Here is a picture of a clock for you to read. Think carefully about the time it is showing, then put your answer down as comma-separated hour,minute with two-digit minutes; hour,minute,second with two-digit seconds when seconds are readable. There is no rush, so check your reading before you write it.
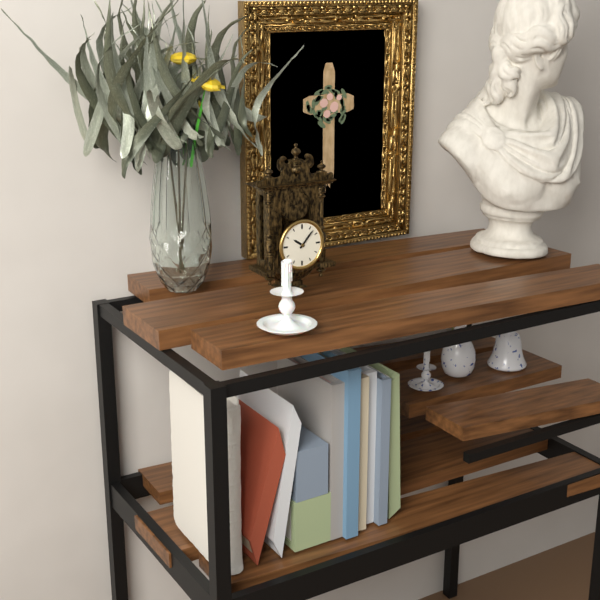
10,07
